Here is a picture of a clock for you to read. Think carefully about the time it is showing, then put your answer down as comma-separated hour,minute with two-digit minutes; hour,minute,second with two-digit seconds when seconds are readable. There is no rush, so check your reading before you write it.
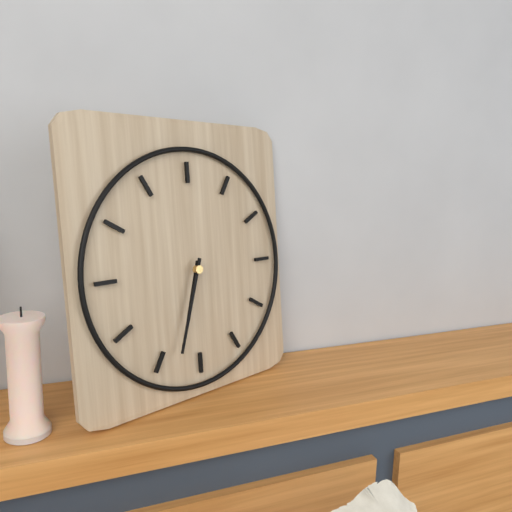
6,33
